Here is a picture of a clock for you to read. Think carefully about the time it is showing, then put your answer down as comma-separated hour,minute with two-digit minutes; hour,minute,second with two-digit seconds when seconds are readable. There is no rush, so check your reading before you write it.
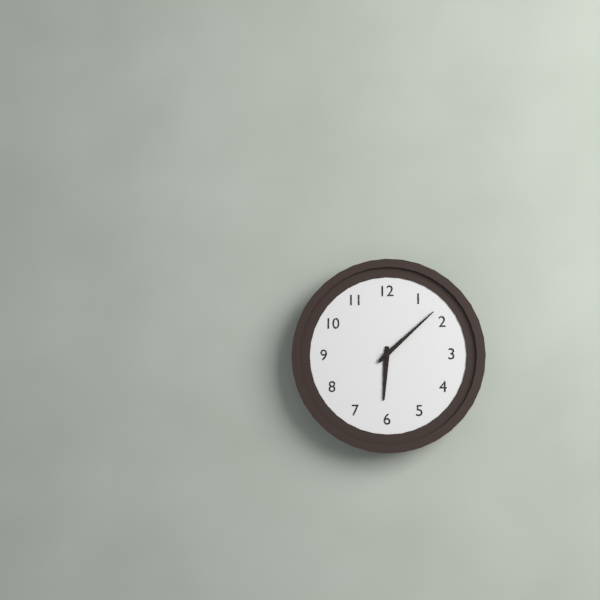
6,08
